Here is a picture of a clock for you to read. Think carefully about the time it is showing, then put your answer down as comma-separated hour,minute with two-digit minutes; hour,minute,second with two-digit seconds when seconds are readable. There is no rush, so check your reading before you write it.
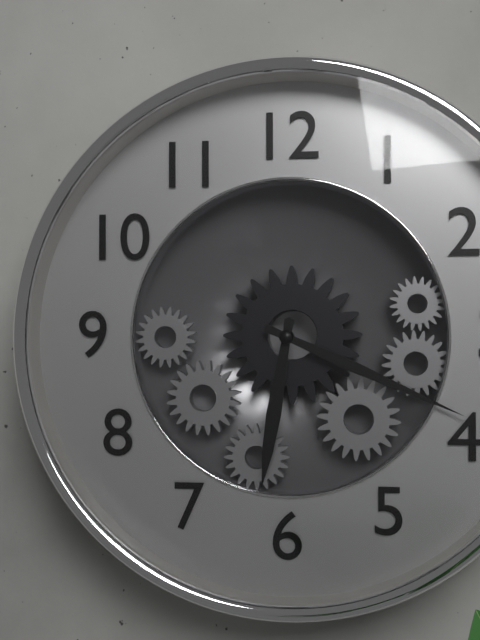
6,19
